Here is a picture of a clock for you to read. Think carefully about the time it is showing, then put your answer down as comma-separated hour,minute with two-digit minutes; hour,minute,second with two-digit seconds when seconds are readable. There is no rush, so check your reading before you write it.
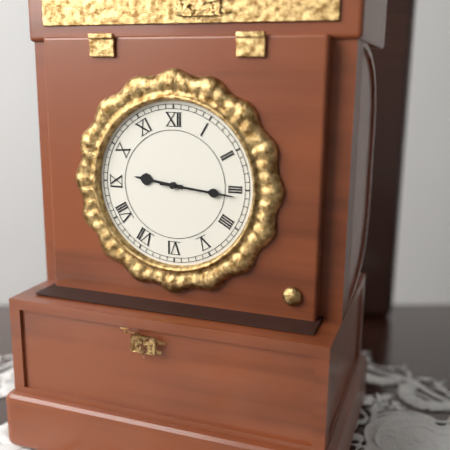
9,16
